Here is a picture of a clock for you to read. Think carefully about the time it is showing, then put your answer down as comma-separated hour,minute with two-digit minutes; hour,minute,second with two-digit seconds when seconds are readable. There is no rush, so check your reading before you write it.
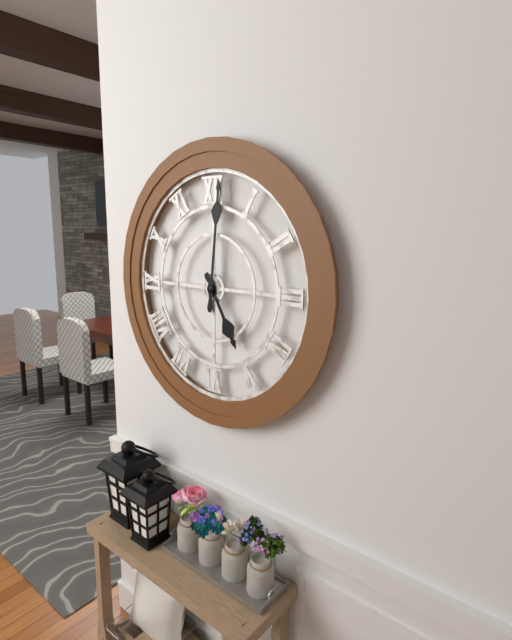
5,01
